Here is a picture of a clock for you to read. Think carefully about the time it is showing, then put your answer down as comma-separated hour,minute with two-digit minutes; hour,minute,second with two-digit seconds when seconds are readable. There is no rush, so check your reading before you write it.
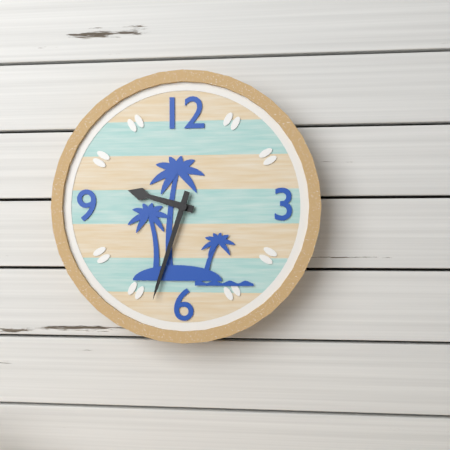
9,33
